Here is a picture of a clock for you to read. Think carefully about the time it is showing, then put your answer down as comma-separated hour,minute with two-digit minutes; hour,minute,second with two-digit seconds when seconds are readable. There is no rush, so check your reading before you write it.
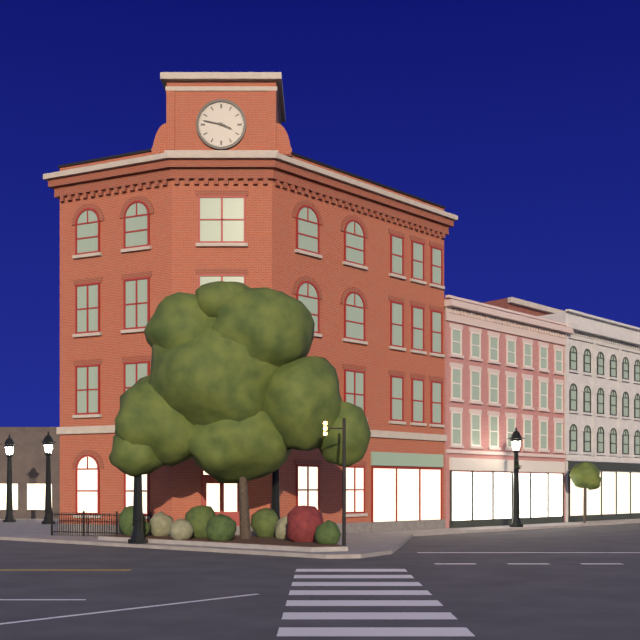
3,47
